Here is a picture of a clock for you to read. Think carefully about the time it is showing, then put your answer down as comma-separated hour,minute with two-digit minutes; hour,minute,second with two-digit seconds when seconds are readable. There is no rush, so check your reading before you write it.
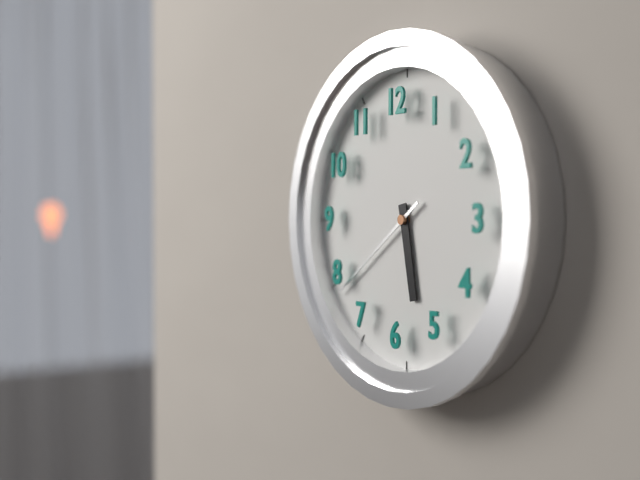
5,39
